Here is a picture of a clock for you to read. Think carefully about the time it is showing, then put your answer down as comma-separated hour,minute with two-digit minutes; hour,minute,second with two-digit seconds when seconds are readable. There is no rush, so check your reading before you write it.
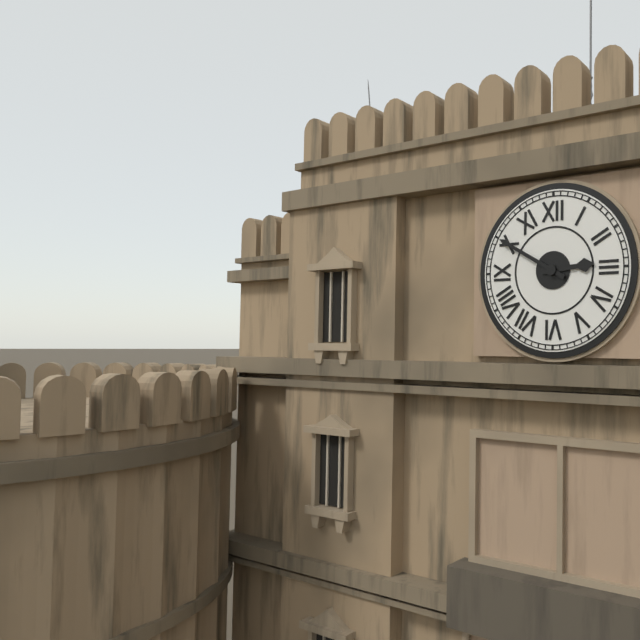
2,50
